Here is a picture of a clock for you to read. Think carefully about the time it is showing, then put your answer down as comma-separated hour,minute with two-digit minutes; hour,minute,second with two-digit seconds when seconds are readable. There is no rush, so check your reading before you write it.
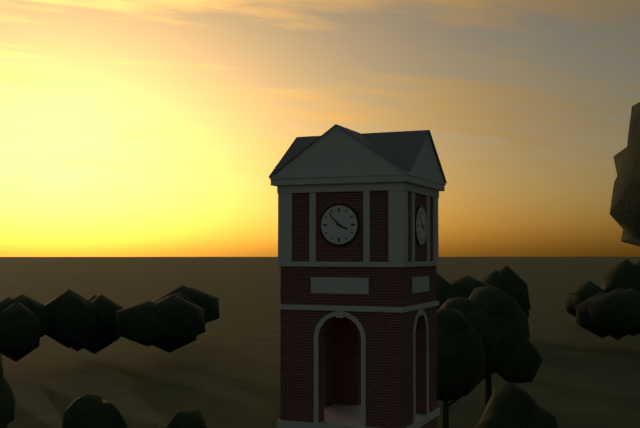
3,53
